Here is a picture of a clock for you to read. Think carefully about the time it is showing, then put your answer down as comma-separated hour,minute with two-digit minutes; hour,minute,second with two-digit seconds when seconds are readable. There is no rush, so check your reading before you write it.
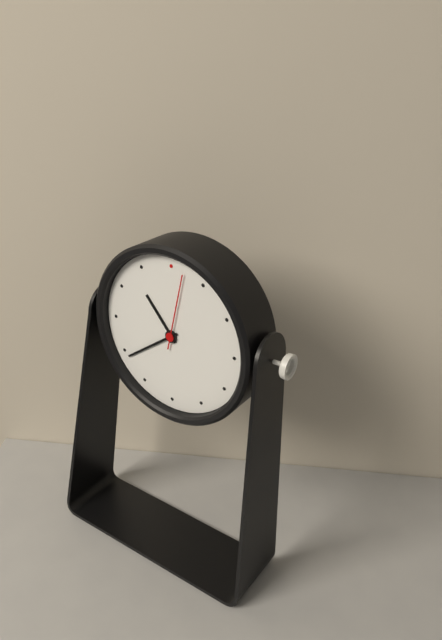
10,39,02
